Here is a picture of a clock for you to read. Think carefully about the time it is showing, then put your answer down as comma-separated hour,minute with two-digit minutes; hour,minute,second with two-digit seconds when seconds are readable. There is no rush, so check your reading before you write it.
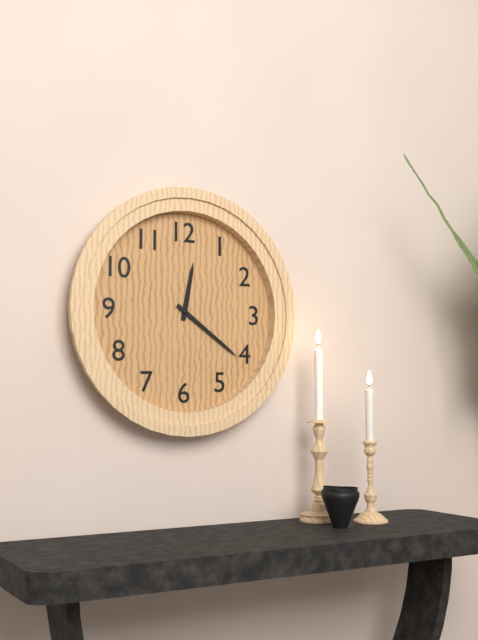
12,21
